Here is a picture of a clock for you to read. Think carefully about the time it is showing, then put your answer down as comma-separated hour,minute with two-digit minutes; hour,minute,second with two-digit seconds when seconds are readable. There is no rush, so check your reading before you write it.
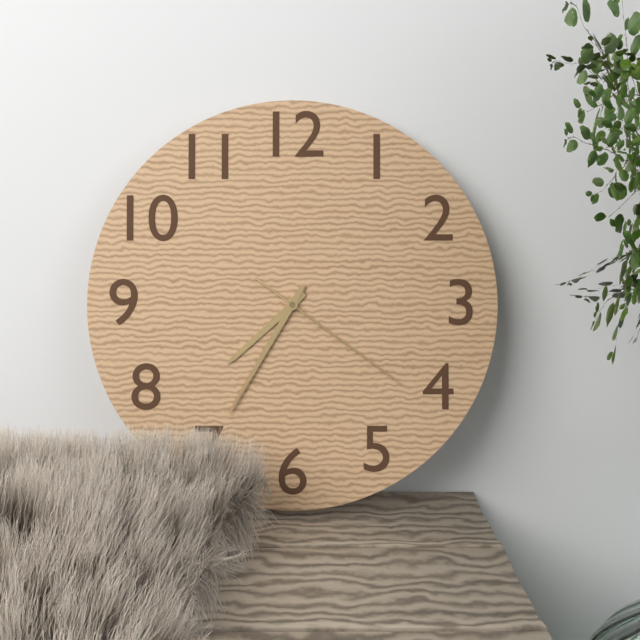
7,35,21
